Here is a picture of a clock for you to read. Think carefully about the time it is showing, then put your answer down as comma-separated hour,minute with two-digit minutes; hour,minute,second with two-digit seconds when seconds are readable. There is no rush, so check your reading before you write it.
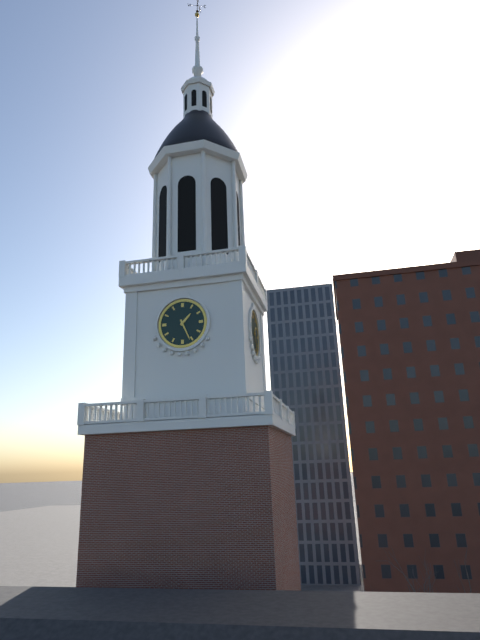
1,26
